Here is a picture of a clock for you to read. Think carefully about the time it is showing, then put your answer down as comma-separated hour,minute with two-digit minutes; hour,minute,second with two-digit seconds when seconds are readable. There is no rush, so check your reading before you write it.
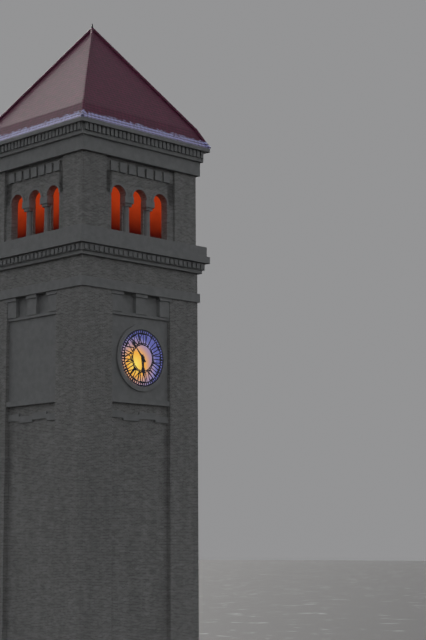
5,53
